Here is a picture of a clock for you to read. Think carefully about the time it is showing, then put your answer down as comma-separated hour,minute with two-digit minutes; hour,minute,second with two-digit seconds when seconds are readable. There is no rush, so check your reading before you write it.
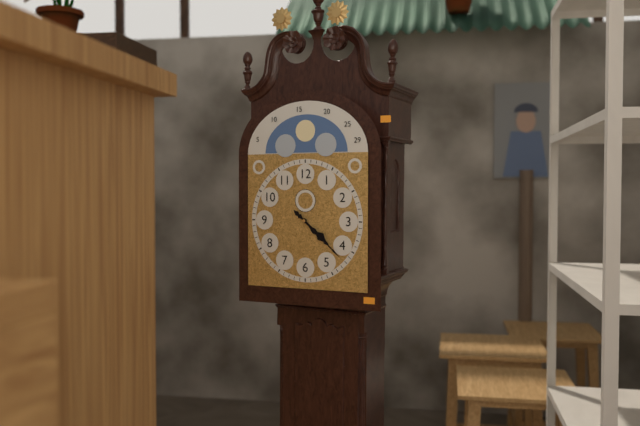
4,22
